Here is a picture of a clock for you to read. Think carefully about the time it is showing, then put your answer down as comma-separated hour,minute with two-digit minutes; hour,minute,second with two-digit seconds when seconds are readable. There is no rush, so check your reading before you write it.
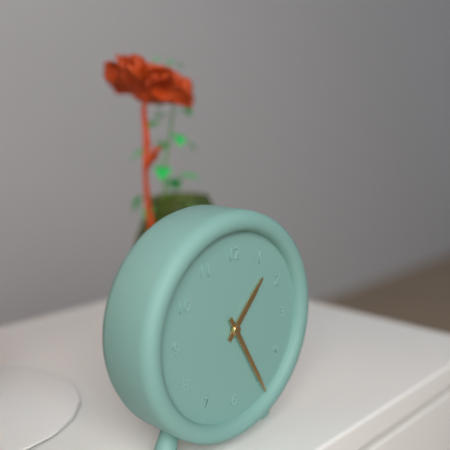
1,25
